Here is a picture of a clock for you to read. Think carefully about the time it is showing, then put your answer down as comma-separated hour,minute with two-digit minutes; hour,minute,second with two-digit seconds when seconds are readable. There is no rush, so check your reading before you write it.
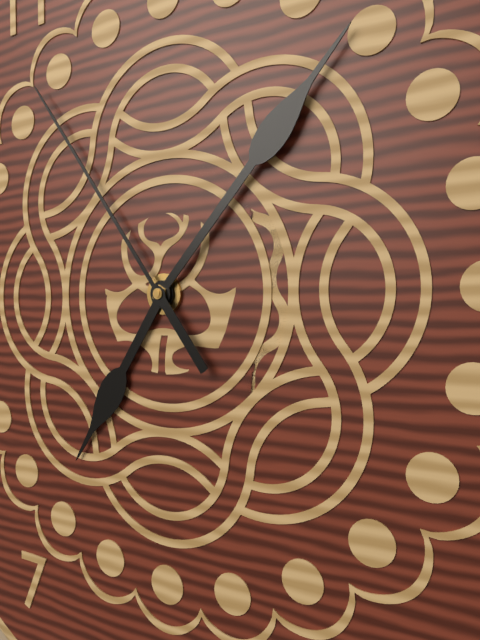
7,07,54
